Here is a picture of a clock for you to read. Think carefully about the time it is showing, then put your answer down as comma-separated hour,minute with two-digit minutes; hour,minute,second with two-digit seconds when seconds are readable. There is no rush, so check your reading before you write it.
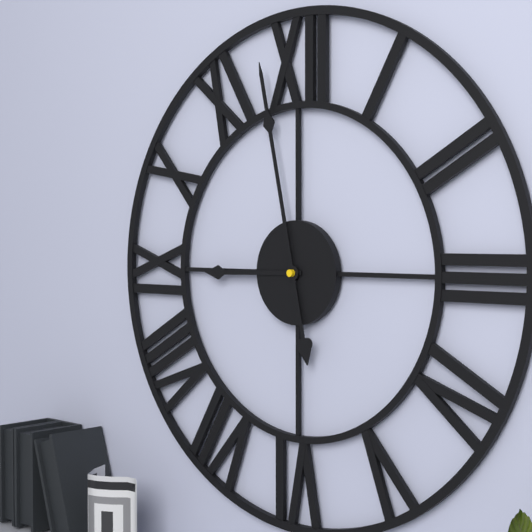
8,58
